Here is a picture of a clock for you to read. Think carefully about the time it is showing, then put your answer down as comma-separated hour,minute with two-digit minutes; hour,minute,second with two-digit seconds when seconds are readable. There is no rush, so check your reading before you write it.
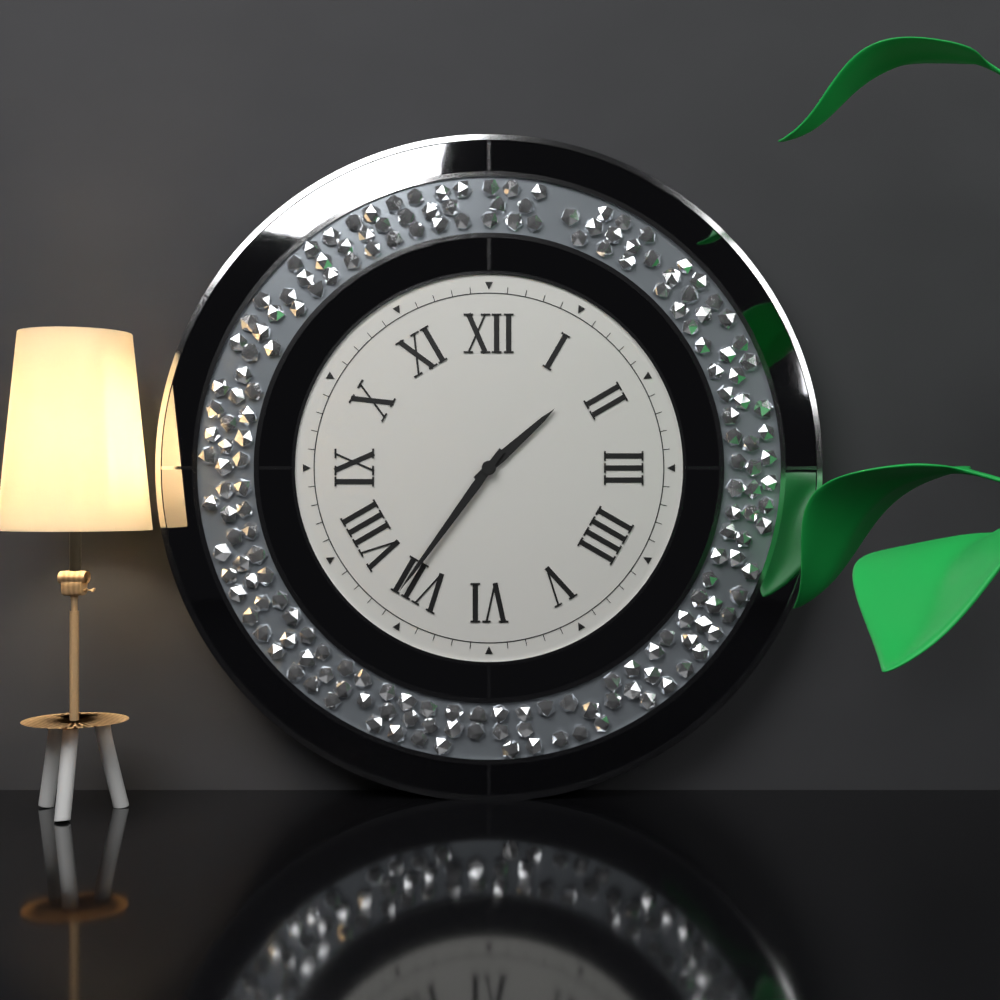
1,36
